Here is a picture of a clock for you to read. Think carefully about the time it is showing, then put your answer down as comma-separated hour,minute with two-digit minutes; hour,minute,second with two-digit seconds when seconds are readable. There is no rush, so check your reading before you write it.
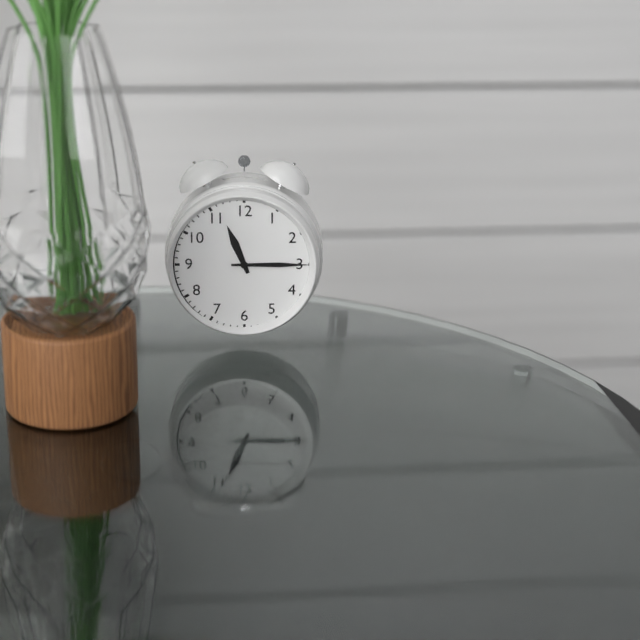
11,15
